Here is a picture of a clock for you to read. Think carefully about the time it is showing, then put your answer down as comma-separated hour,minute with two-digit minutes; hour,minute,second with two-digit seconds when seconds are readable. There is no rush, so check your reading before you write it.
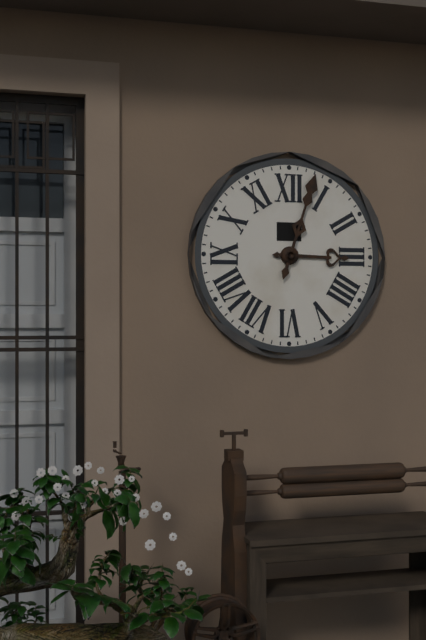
3,03
